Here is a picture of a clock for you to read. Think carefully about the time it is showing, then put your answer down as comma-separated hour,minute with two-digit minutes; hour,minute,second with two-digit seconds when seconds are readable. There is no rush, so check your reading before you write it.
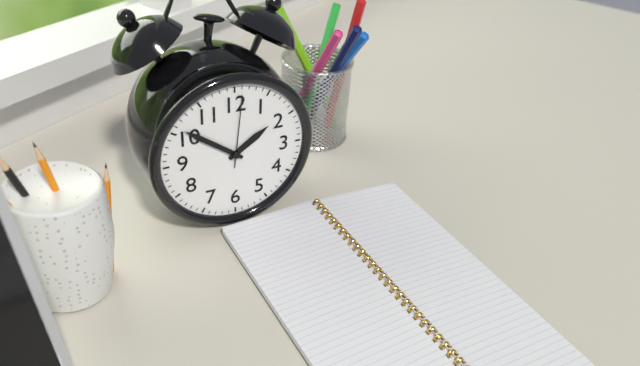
1,51,01
